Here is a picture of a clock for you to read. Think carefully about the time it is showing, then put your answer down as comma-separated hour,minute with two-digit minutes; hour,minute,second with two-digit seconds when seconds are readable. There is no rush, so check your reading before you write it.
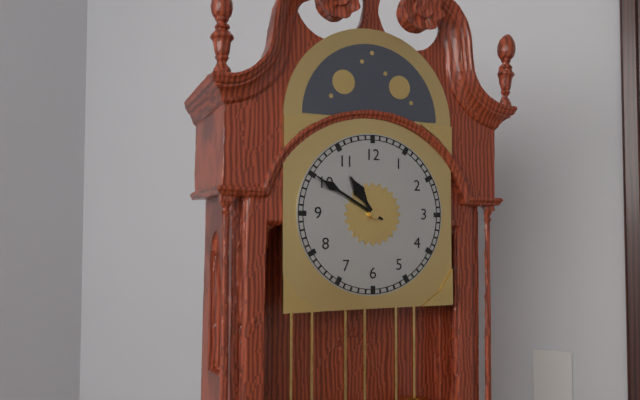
10,50
